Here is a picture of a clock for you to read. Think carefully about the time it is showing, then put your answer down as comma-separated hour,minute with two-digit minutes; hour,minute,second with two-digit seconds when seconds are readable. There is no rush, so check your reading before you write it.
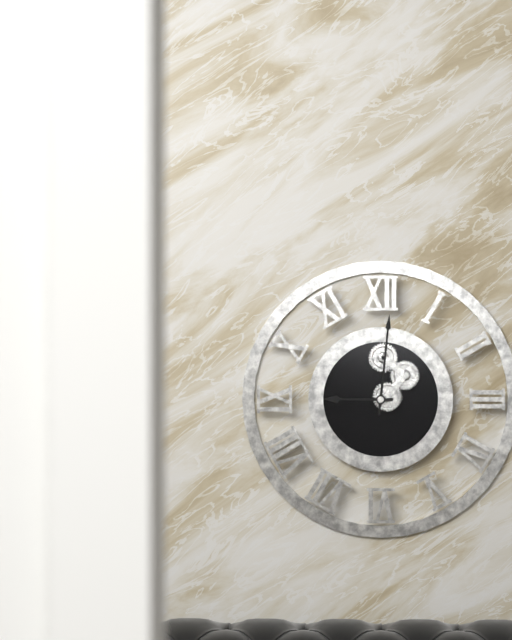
9,01
